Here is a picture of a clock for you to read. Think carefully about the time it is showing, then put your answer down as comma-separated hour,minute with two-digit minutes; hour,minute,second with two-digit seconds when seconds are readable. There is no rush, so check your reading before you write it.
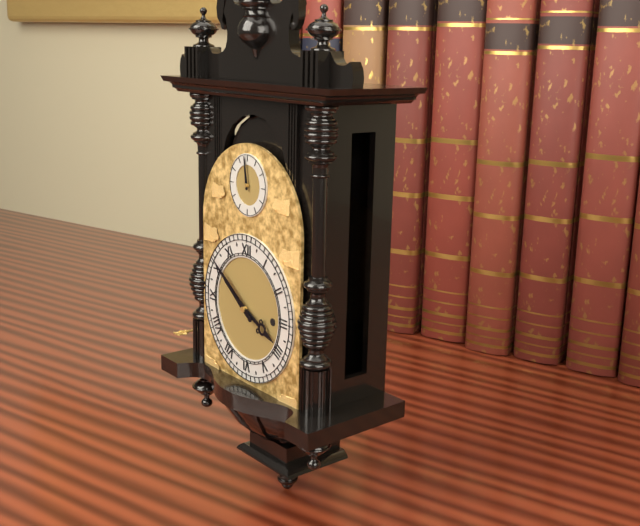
3,51
